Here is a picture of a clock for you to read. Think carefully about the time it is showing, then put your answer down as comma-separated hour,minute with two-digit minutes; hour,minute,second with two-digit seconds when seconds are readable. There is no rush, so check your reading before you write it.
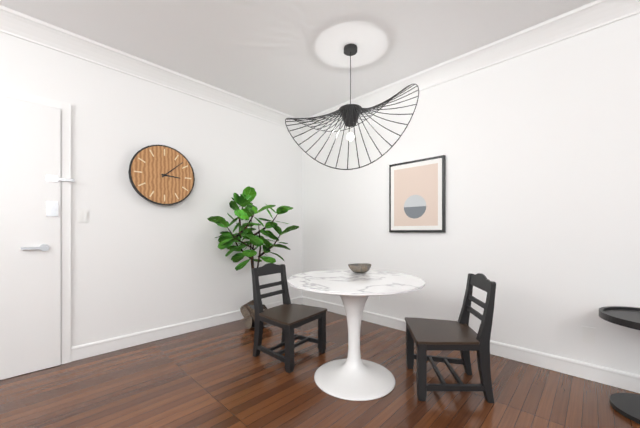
3,08
